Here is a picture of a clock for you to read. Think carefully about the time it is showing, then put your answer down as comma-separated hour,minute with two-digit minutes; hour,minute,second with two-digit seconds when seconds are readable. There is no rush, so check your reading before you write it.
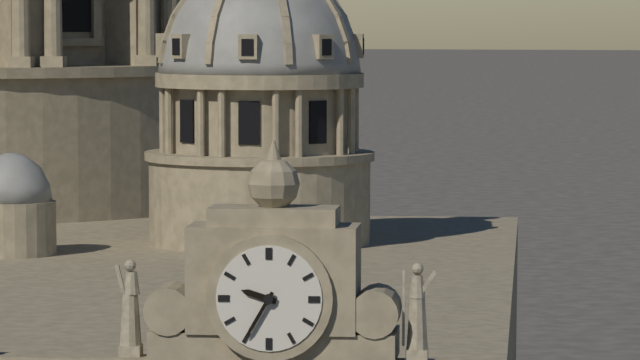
9,35
